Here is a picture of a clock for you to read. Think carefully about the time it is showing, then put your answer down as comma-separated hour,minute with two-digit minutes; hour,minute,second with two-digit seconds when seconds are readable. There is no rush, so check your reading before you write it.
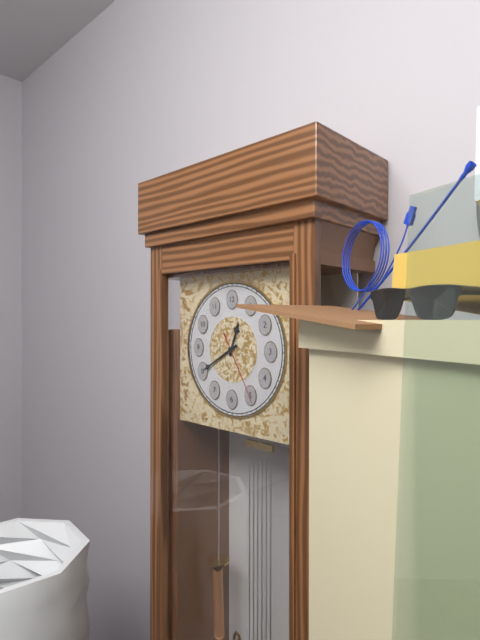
12,40,25
